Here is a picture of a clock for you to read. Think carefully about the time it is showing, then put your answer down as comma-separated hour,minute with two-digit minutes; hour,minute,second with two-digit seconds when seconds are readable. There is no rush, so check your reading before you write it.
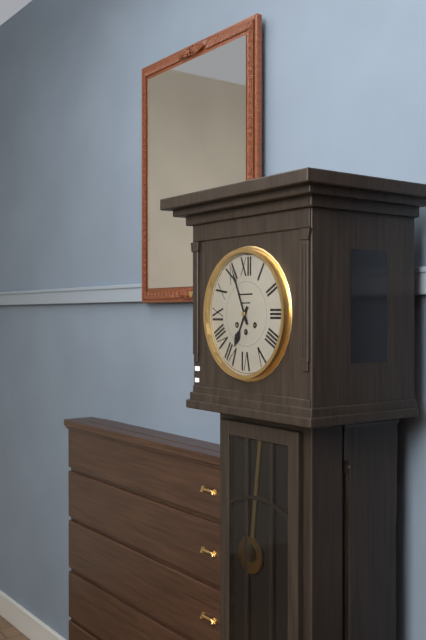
6,56
